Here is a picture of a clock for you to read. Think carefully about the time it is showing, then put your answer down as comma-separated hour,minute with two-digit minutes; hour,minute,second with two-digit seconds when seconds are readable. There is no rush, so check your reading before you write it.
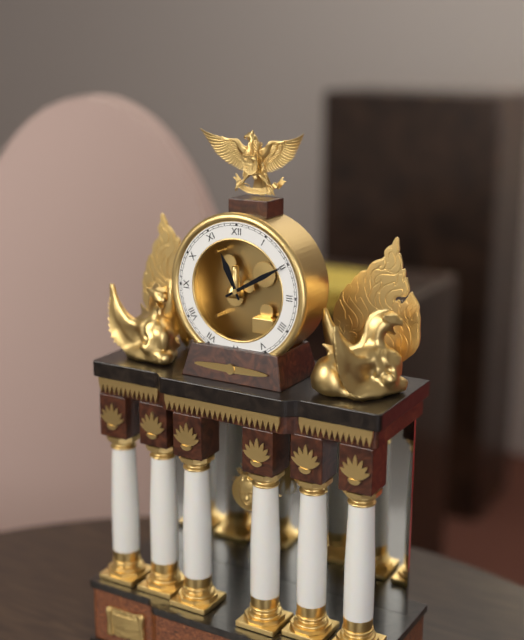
11,10
